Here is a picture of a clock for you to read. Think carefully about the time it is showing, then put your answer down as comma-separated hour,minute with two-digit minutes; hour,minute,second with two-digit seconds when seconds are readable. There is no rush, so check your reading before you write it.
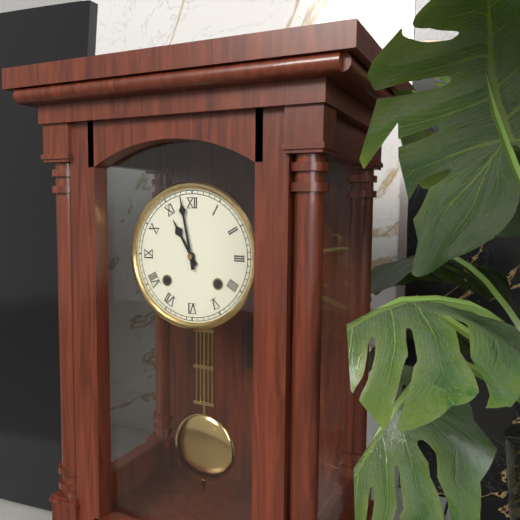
10,58
